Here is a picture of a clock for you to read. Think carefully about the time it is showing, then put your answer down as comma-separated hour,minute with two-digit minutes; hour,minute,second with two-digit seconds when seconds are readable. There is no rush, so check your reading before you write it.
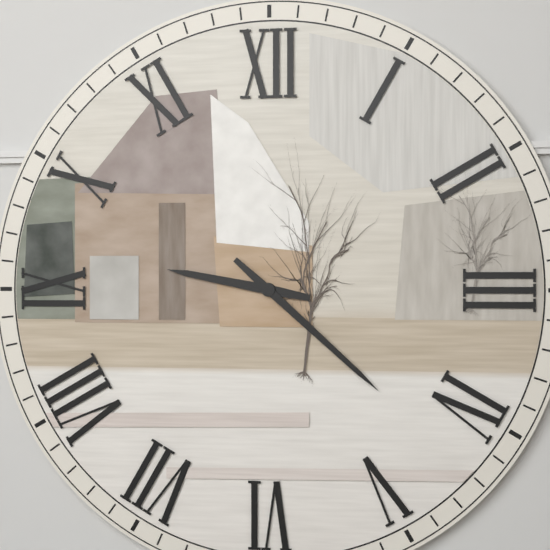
9,22
